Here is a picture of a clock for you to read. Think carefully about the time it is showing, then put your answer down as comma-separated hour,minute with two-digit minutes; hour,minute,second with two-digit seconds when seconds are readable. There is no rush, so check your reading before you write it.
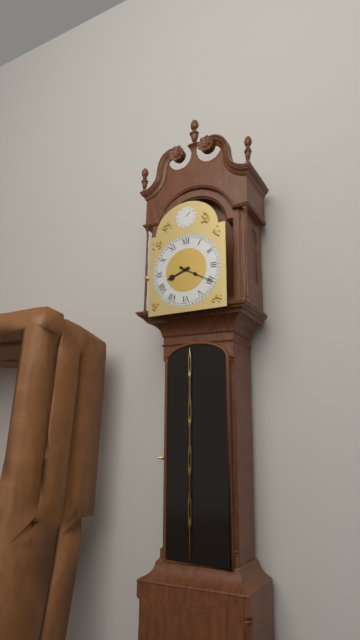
8,20
